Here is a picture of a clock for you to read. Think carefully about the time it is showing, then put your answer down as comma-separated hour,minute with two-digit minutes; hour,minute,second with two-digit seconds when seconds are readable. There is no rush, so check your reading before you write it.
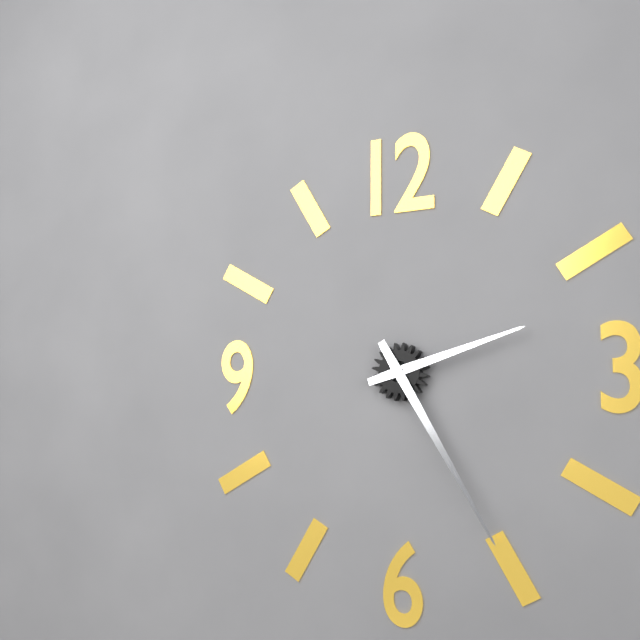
2,25
